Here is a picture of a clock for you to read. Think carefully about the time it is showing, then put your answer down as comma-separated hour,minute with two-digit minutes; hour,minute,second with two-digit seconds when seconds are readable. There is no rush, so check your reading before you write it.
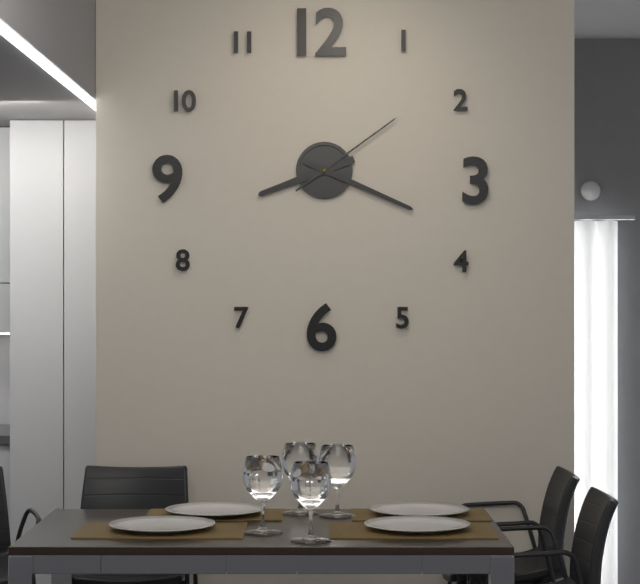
8,19,09
